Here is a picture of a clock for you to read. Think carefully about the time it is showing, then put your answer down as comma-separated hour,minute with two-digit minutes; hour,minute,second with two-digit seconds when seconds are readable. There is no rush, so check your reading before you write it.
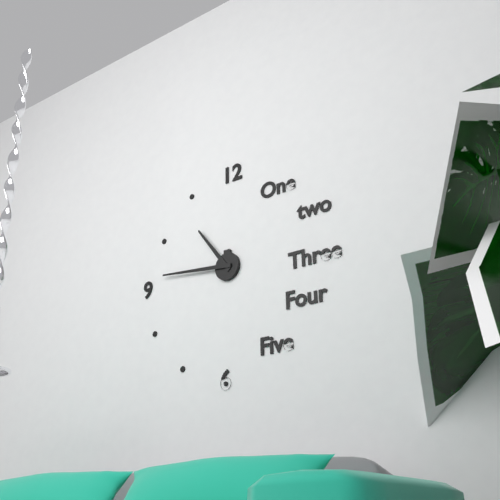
10,46
